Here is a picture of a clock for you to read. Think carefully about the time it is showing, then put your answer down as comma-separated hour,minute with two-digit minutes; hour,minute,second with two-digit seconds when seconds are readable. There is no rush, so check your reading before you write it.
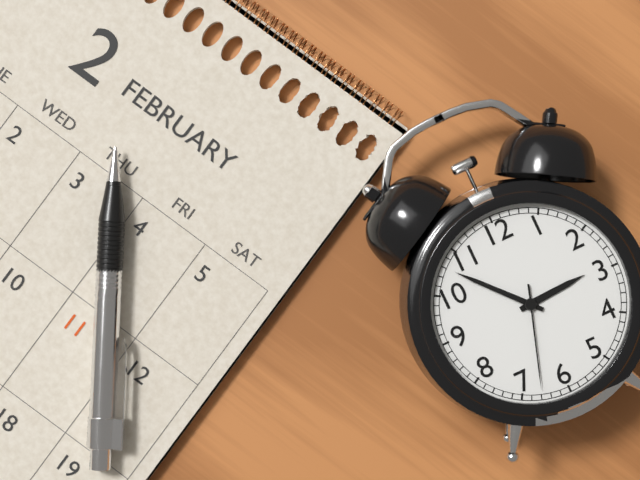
2,53,33
